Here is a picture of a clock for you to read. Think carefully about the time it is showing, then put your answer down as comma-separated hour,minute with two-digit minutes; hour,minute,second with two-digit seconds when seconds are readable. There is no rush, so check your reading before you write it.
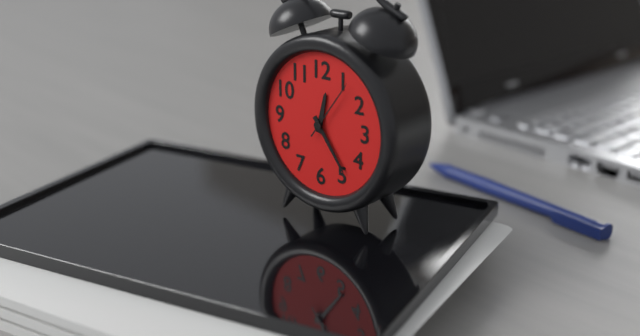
12,24,06
